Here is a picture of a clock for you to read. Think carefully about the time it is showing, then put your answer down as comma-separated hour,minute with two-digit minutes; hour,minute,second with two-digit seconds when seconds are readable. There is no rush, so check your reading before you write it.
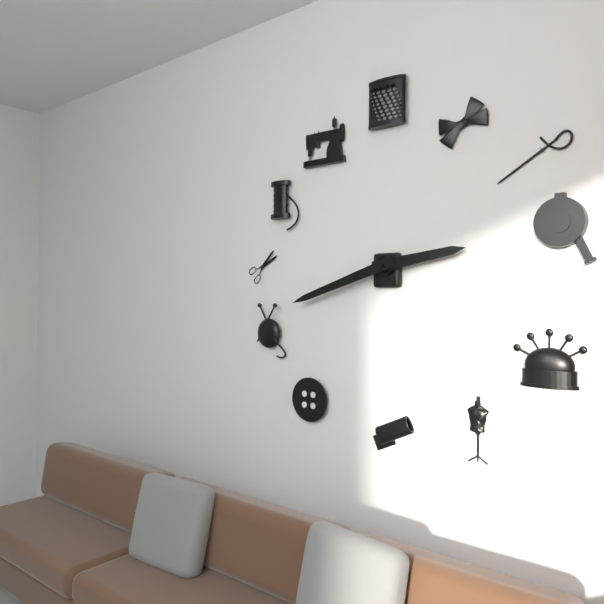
2,42
